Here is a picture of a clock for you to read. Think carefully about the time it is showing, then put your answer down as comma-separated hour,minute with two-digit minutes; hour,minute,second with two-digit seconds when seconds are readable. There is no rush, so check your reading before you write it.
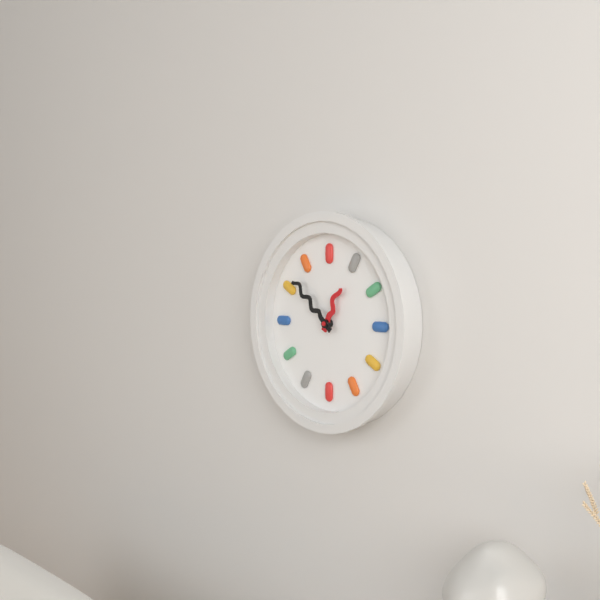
12,52
